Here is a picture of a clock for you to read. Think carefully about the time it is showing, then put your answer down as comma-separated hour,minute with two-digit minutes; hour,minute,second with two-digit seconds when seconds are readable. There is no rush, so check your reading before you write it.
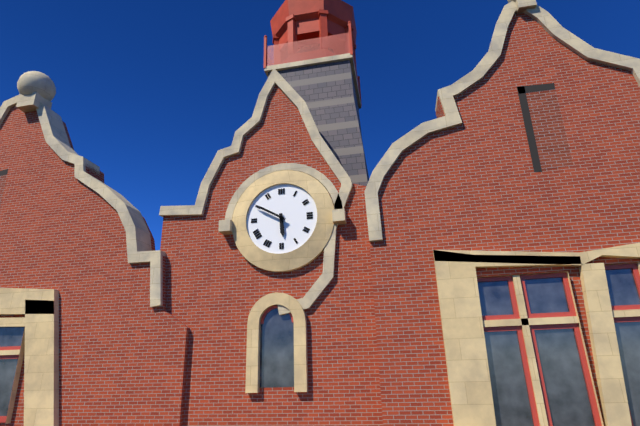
5,50
